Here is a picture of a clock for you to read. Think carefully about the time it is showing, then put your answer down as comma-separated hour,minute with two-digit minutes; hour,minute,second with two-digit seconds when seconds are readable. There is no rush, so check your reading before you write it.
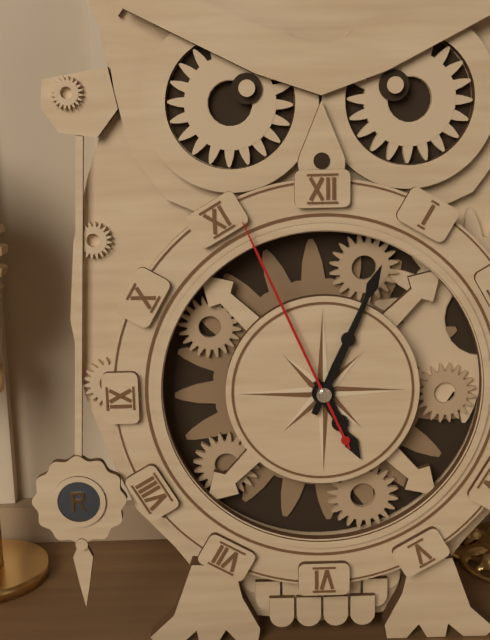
5,04,56
